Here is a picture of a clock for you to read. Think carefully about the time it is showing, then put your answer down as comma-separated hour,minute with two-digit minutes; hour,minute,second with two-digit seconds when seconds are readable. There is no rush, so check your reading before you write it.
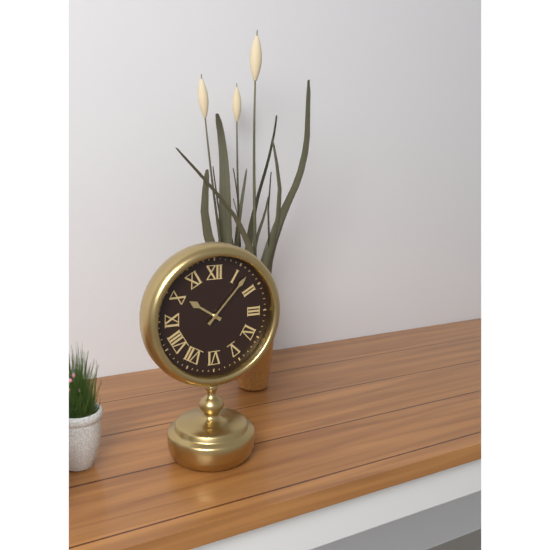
10,07
